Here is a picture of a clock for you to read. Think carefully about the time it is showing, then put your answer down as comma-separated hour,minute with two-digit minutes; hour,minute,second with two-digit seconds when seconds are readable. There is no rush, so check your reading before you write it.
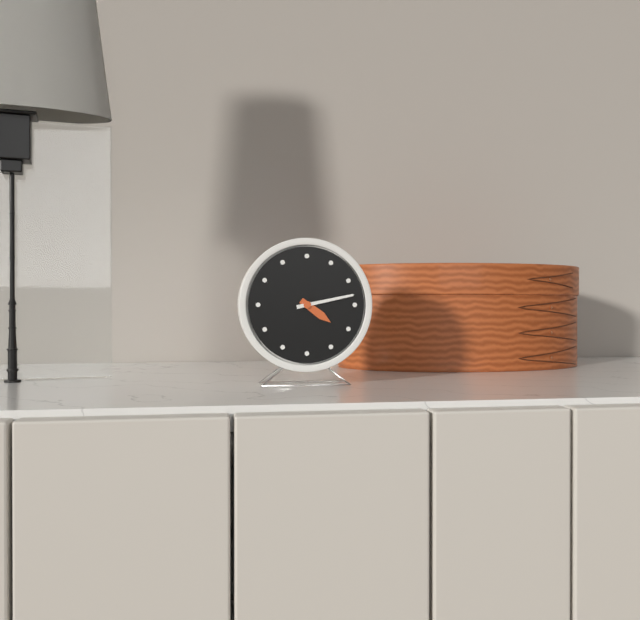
4,13
